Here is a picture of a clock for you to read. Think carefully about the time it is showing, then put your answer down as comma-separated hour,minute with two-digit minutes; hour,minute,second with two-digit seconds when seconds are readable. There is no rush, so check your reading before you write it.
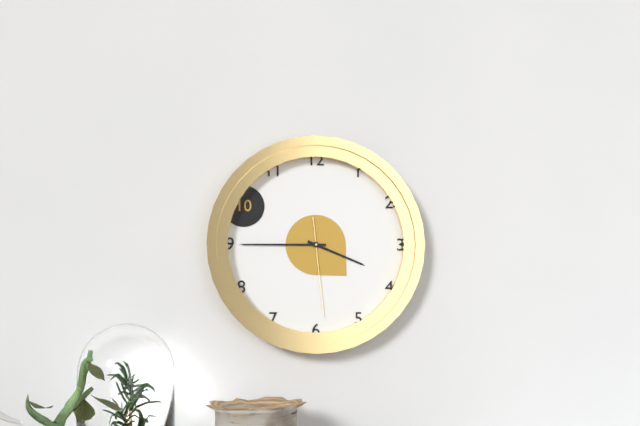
3,45,29
